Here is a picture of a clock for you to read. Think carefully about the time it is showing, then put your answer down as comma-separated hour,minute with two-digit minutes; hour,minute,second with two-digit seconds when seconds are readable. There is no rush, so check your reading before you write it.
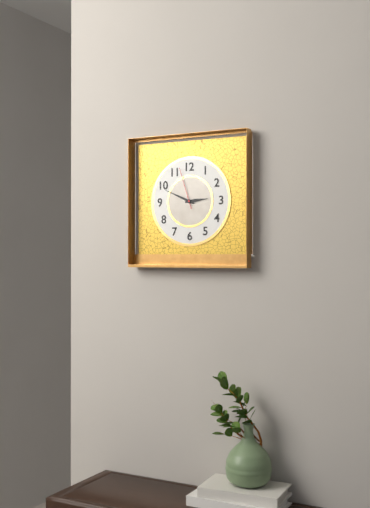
2,49
